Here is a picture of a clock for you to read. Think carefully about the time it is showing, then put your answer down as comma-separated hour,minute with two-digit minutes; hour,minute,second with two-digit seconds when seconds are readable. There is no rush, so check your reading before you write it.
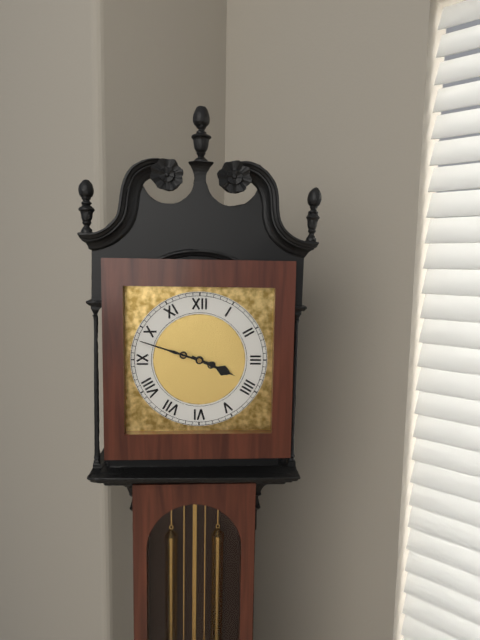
3,48
